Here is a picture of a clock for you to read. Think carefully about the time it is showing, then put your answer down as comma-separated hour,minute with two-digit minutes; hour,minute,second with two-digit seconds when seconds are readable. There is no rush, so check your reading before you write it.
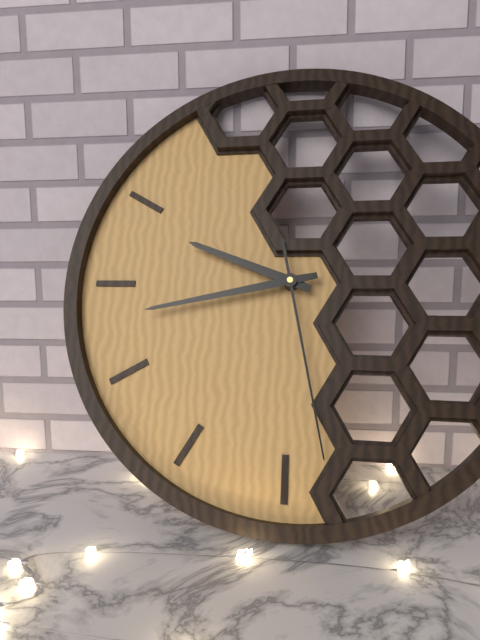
9,43,28
